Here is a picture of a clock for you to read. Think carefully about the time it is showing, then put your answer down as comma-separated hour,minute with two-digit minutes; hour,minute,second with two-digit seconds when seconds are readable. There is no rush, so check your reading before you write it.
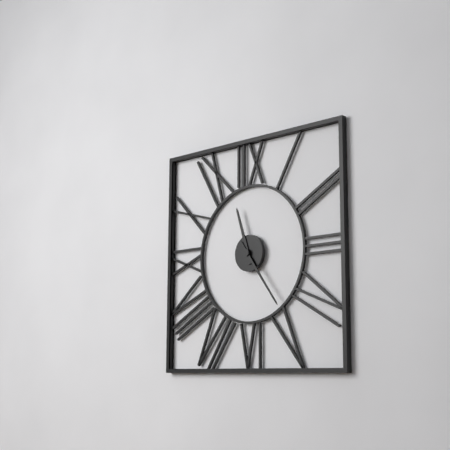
11,24
